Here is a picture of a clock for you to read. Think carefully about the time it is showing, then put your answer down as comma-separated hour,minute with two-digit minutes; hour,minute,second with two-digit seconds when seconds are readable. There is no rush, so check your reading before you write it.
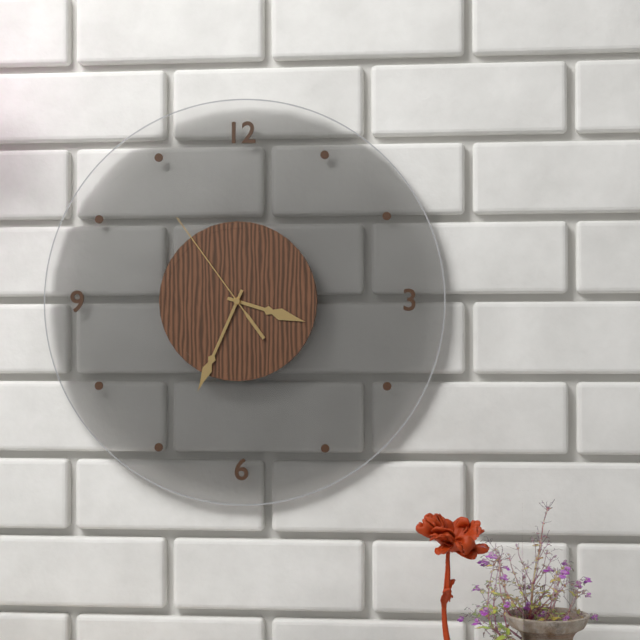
3,34,54
